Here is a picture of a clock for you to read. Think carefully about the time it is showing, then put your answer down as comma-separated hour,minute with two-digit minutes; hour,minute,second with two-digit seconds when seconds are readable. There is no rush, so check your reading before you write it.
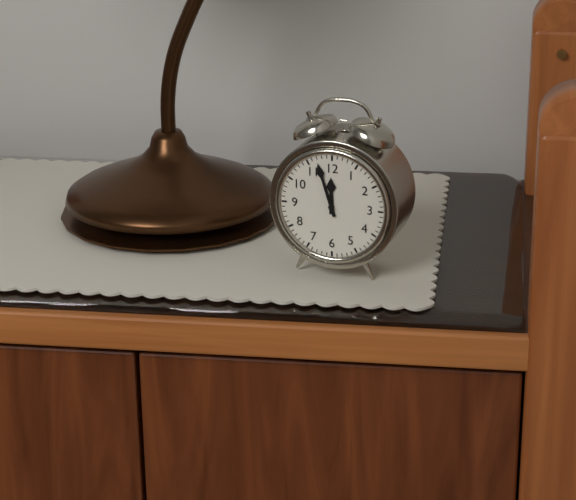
11,57
